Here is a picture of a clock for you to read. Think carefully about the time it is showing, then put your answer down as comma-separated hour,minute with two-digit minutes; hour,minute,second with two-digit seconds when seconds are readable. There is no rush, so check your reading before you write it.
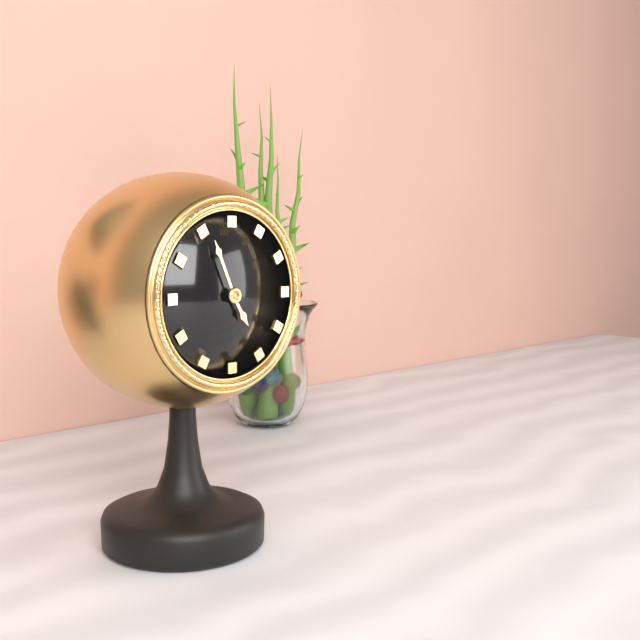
4,56
